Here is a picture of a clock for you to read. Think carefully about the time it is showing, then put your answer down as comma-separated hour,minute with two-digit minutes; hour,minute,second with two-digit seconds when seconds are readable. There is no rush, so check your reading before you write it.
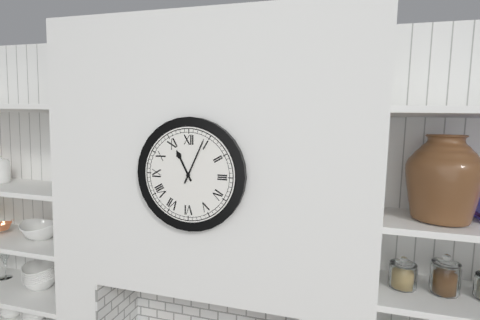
11,04
